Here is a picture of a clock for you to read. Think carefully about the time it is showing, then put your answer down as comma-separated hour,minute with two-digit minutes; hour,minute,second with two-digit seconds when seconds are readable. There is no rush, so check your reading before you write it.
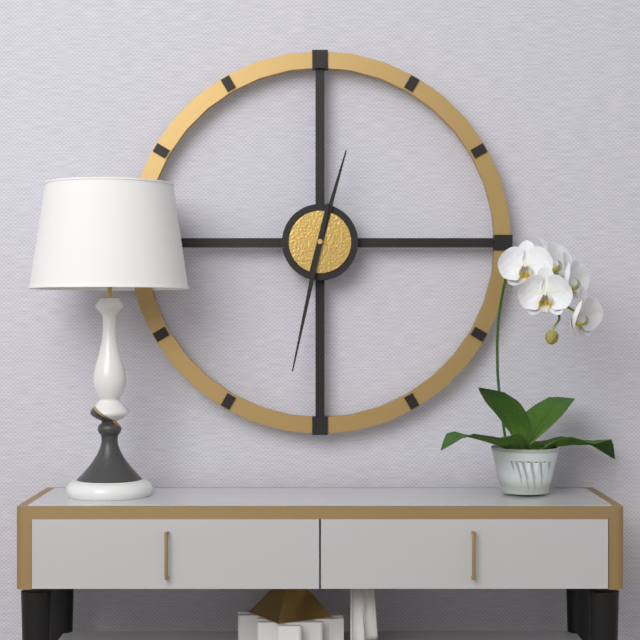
12,32
